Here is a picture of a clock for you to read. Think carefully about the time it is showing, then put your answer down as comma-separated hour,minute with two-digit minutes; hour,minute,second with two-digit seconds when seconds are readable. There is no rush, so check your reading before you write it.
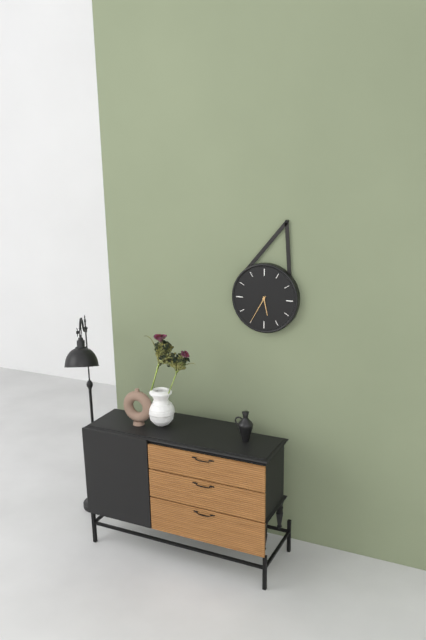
5,35
